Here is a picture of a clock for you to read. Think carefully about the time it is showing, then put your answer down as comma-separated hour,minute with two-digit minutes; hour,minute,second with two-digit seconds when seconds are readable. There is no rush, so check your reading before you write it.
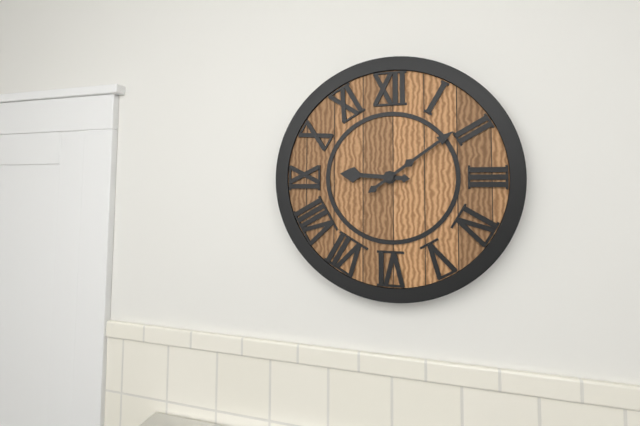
9,09
